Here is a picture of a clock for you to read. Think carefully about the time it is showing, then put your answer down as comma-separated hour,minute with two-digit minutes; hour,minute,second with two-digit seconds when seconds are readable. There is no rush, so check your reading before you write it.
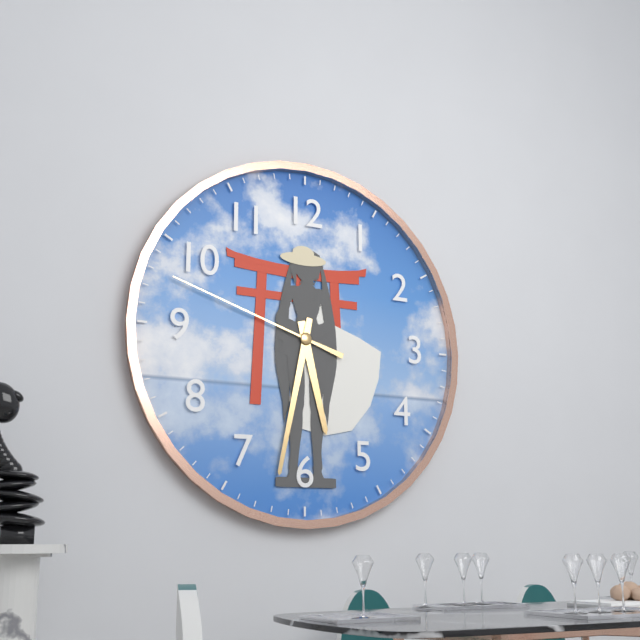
5,32,48
